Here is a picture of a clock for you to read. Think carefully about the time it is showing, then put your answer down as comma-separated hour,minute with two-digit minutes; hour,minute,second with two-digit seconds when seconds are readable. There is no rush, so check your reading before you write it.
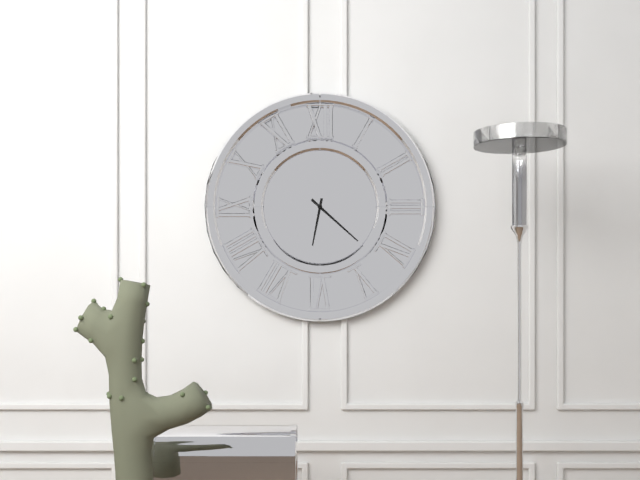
6,22
